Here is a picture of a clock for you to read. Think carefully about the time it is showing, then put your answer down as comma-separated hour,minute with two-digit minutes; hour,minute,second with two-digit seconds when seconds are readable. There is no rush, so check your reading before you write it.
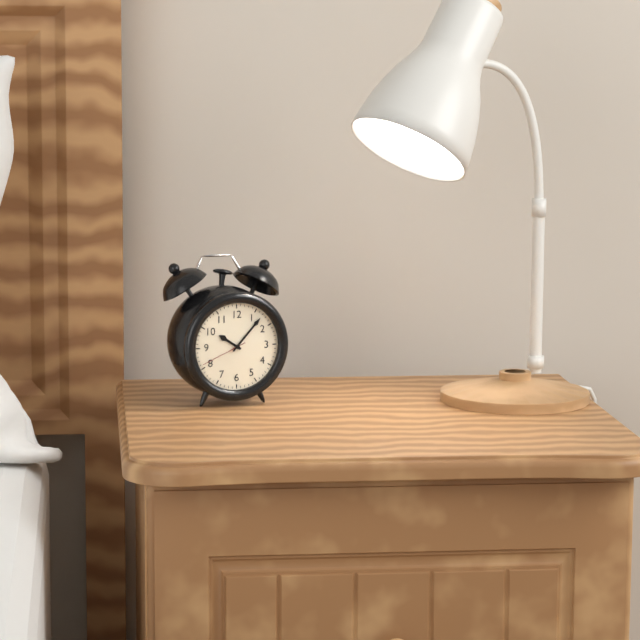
10,07
